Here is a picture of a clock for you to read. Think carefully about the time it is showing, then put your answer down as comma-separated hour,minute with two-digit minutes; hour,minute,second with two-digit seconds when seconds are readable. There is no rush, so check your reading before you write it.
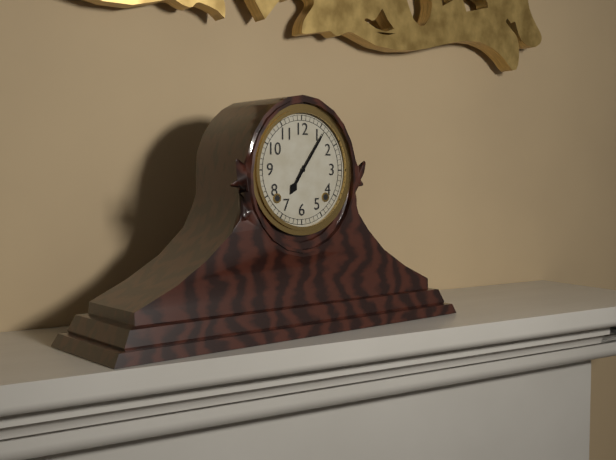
7,06
